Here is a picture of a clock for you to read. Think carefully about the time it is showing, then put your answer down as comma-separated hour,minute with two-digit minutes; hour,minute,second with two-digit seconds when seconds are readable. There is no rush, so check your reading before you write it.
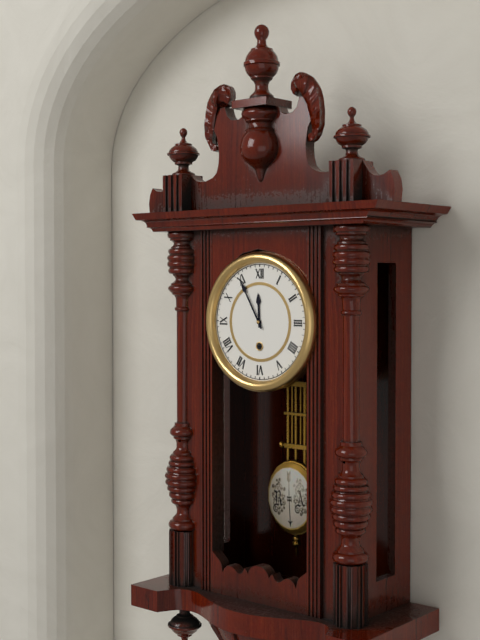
11,55
